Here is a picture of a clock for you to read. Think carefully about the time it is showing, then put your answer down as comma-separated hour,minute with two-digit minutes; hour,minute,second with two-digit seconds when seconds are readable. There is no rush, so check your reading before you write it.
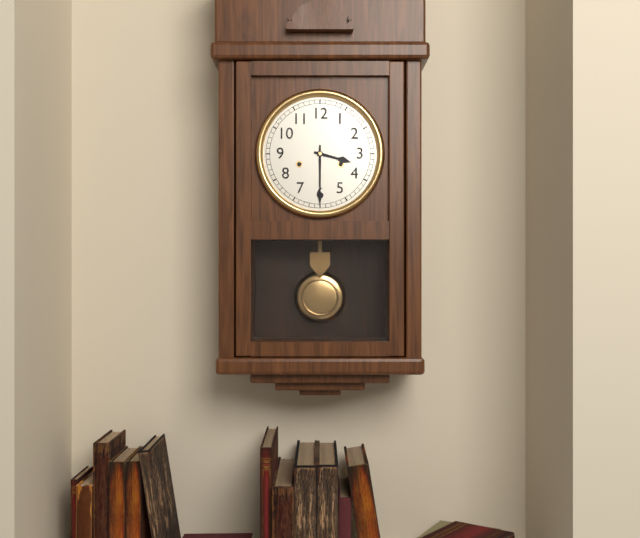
3,30
